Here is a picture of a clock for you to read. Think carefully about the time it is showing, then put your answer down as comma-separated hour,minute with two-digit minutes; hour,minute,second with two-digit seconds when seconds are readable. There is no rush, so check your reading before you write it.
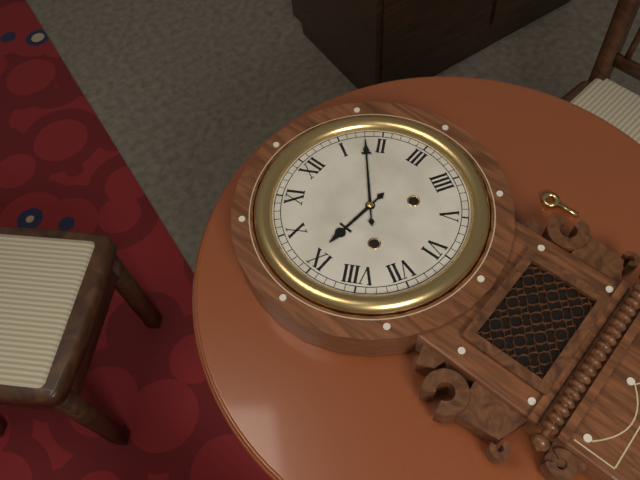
9,08
